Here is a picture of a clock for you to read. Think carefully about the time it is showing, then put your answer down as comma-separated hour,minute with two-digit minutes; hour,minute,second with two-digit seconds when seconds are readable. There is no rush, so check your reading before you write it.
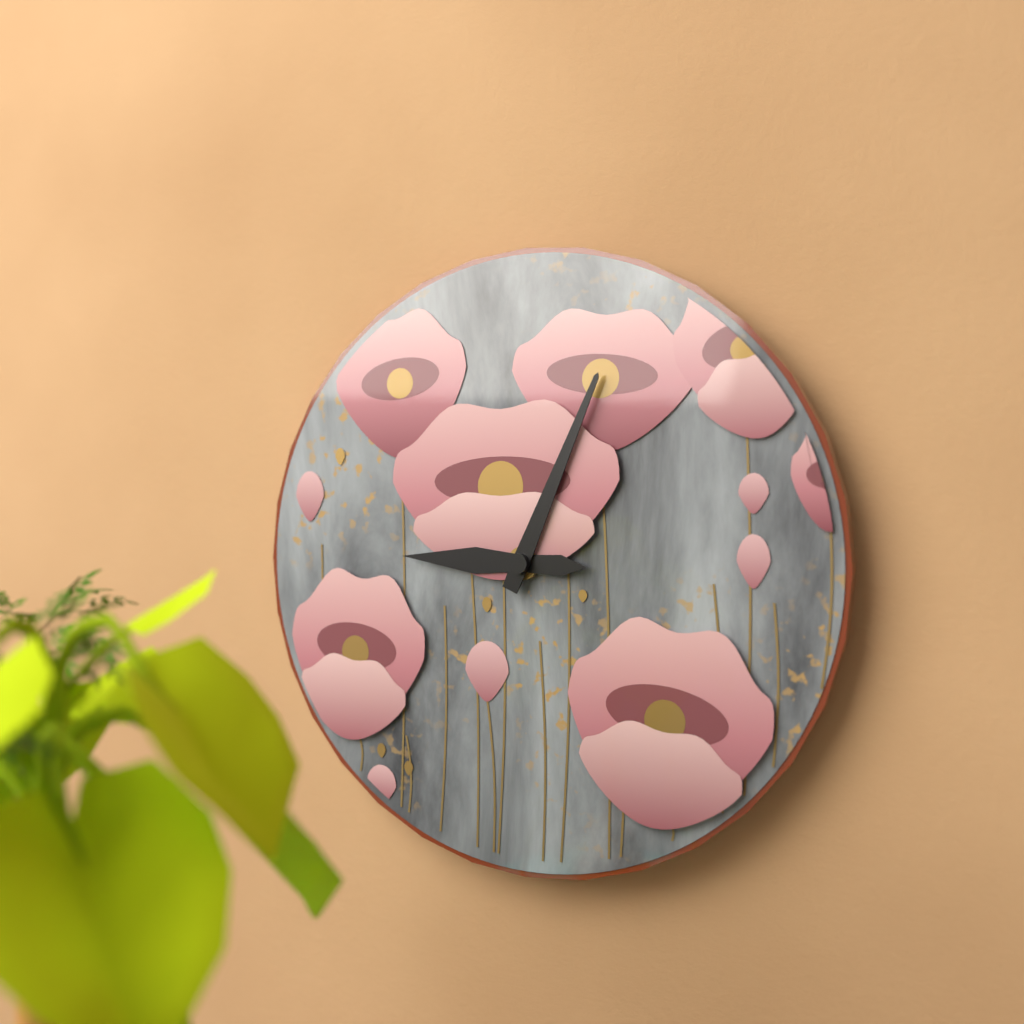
9,04
